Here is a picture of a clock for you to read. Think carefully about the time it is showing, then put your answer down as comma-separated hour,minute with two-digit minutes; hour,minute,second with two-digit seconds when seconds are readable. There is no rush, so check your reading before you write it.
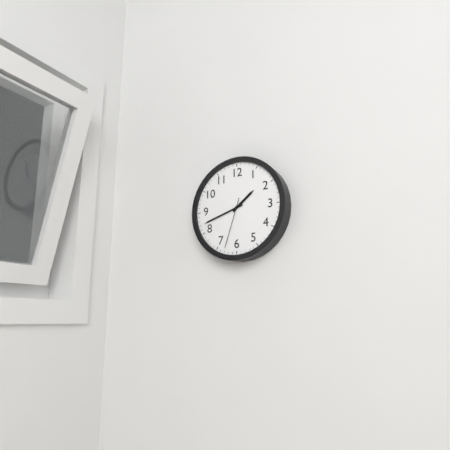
1,42,33
